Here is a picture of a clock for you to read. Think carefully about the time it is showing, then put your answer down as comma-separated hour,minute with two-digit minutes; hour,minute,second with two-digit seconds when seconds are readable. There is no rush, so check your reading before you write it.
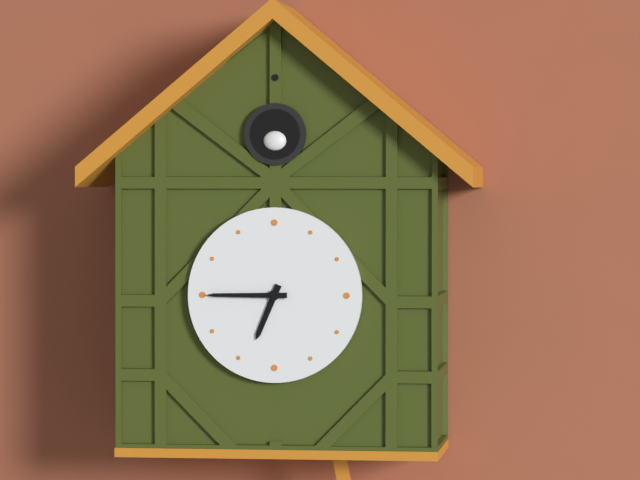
6,45
